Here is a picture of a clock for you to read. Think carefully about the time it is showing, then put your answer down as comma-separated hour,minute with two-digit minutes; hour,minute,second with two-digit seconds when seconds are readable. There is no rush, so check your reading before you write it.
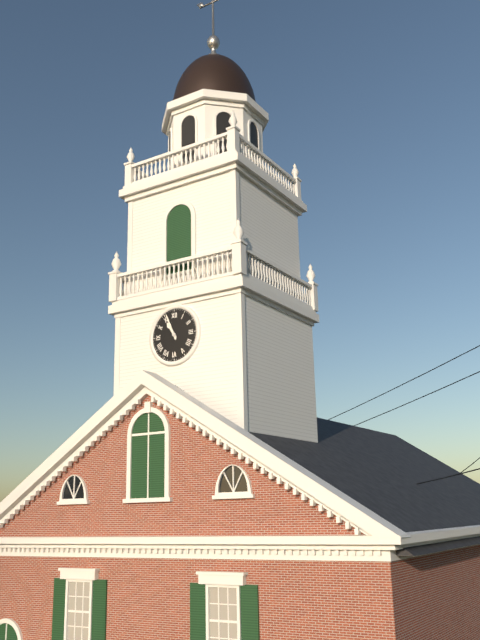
10,56
